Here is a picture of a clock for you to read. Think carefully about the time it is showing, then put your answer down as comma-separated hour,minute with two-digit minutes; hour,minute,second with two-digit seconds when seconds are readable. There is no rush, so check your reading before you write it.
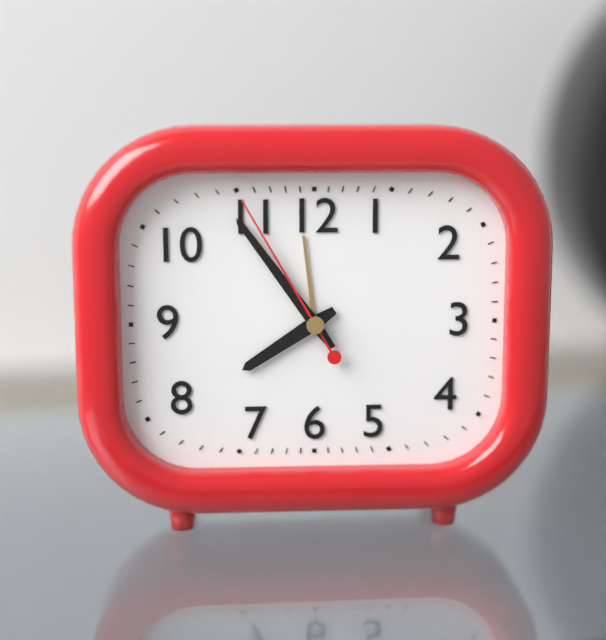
7,54,55
